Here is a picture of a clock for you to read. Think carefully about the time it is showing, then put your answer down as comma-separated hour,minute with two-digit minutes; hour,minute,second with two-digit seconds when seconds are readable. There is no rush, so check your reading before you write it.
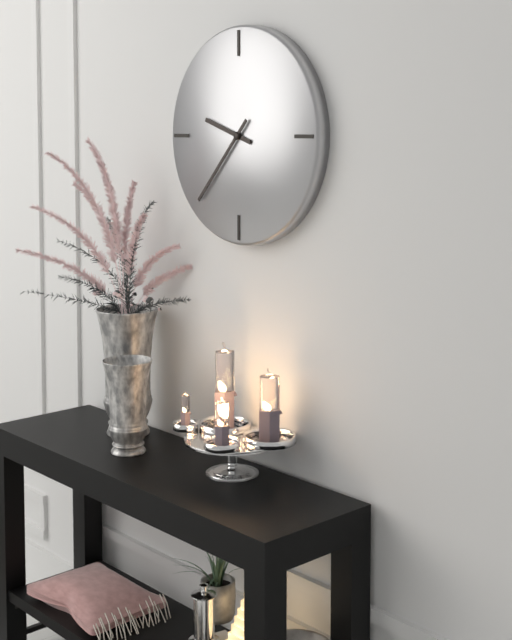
9,37
